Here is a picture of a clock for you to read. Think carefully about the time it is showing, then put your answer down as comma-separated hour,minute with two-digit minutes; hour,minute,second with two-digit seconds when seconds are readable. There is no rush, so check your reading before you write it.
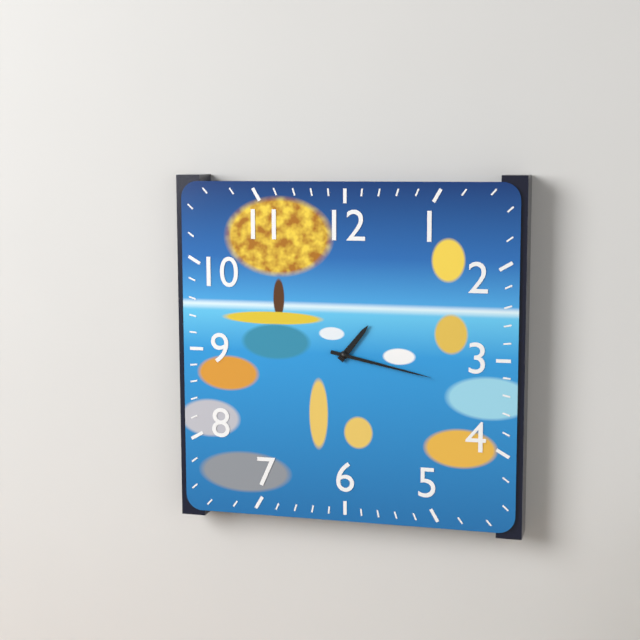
1,17
